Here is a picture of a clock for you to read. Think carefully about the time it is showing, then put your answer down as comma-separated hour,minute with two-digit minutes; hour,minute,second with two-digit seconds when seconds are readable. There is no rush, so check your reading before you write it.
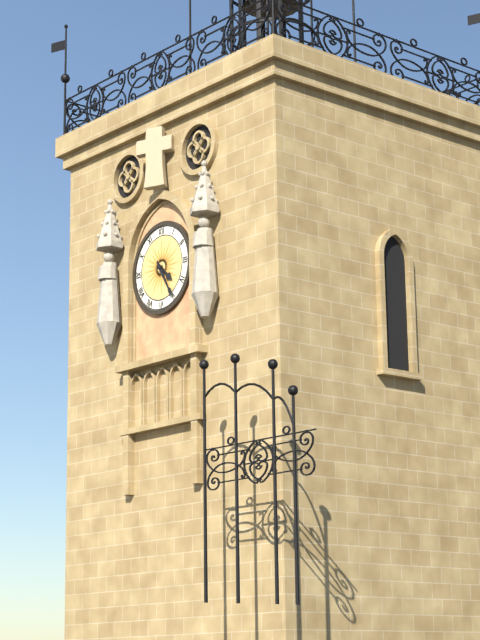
4,25
